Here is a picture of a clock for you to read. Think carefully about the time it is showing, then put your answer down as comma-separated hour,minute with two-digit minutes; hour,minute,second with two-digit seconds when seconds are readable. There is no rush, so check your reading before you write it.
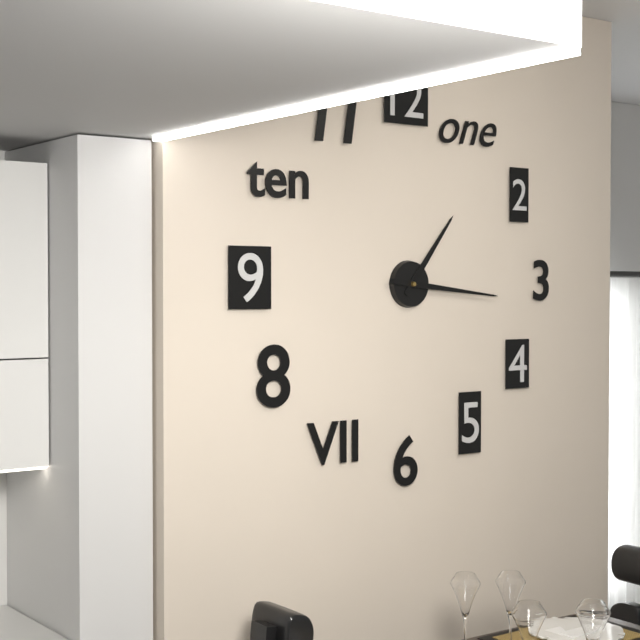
1,16
